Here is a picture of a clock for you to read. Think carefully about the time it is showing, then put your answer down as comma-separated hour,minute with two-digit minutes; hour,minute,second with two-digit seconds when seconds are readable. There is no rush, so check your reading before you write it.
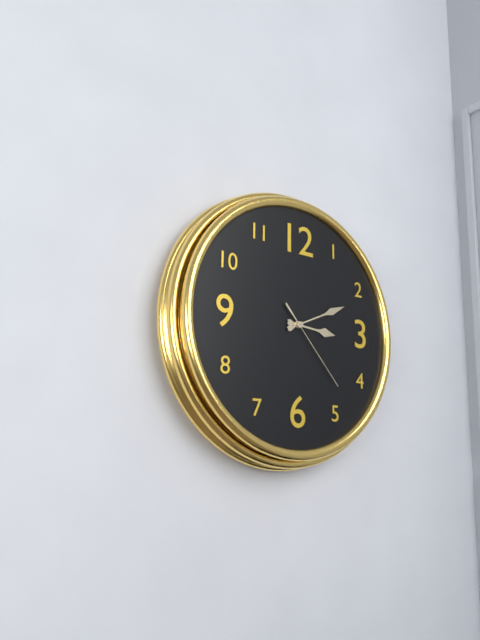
3,11,23
